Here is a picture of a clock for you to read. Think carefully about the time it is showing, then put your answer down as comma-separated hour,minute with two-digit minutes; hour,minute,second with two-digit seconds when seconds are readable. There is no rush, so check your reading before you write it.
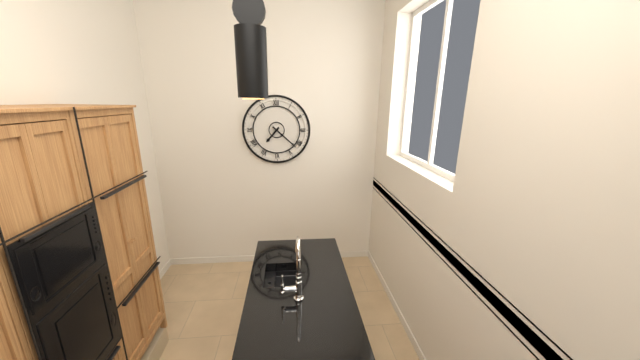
7,22
